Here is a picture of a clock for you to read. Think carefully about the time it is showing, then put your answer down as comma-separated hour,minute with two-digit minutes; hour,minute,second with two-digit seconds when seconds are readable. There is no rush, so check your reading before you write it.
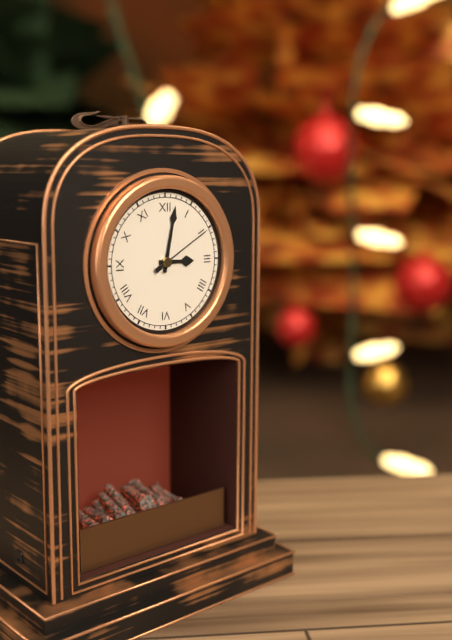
3,02,10
